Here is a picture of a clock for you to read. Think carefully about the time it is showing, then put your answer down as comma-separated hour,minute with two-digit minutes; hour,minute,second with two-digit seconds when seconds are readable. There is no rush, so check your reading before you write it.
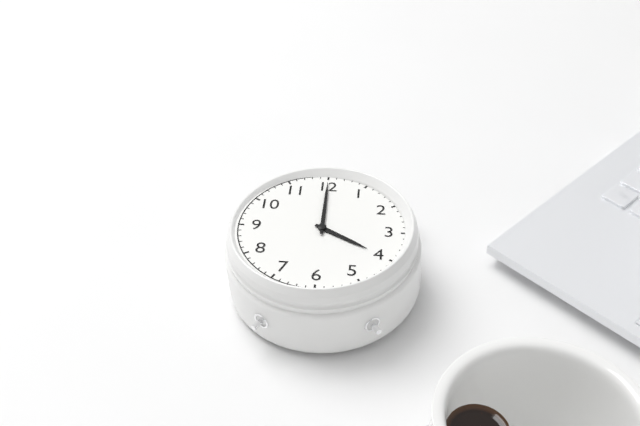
4,00
